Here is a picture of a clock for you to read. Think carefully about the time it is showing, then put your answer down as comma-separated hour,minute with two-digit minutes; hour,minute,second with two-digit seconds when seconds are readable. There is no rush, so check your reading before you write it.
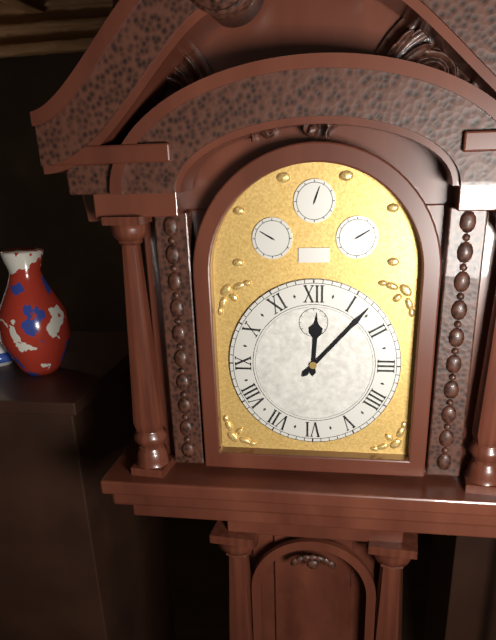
12,07
